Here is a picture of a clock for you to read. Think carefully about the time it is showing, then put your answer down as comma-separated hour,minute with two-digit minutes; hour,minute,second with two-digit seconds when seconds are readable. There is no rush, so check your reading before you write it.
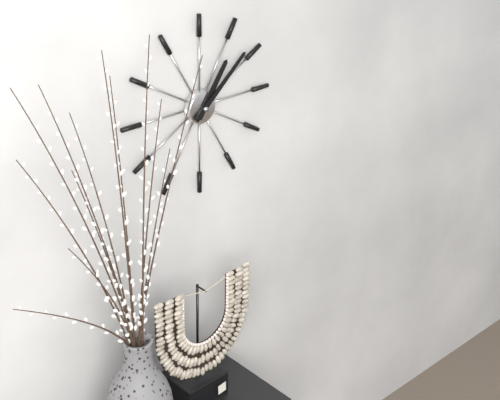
1,08
